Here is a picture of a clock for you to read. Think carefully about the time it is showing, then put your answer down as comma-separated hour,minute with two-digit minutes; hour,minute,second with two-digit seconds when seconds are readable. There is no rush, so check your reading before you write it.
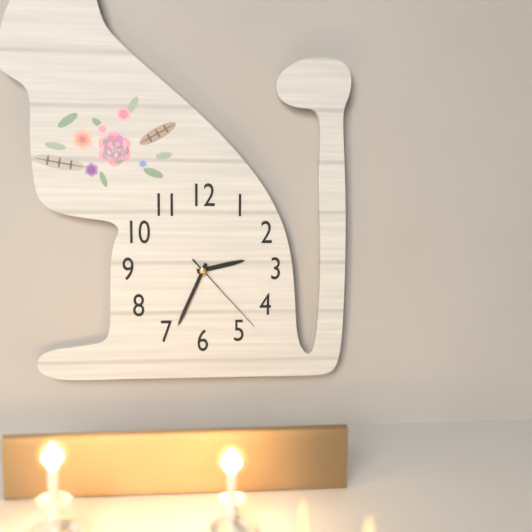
2,34,23
